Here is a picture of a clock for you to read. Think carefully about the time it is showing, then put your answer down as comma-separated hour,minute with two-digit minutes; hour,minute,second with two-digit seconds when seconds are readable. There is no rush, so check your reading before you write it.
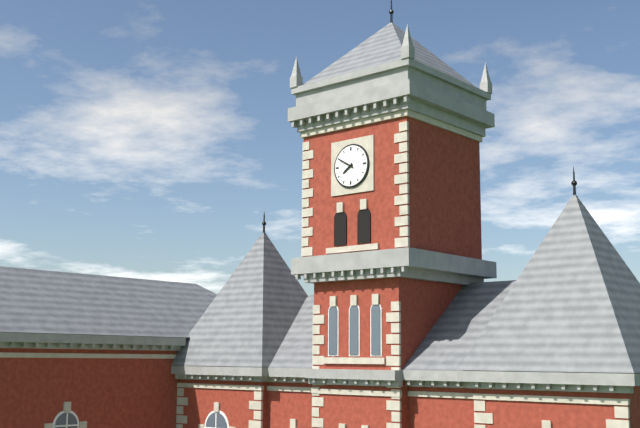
7,50
